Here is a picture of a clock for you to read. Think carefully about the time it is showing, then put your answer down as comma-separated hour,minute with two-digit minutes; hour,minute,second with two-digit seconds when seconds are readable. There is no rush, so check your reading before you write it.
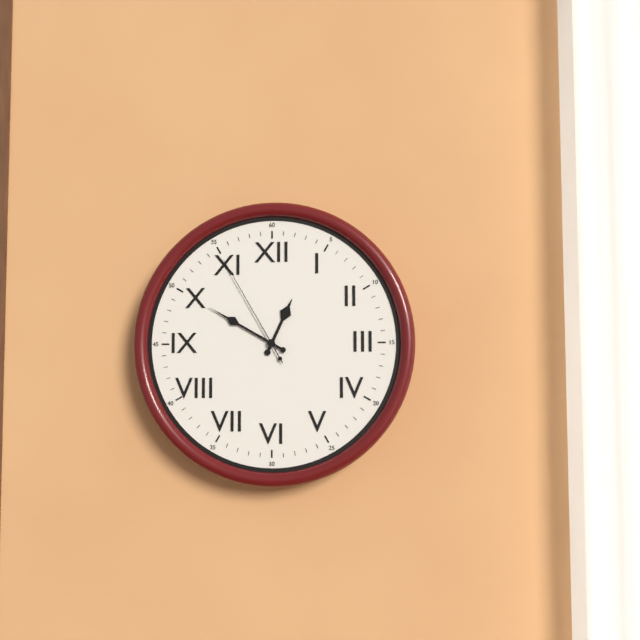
12,50,55
